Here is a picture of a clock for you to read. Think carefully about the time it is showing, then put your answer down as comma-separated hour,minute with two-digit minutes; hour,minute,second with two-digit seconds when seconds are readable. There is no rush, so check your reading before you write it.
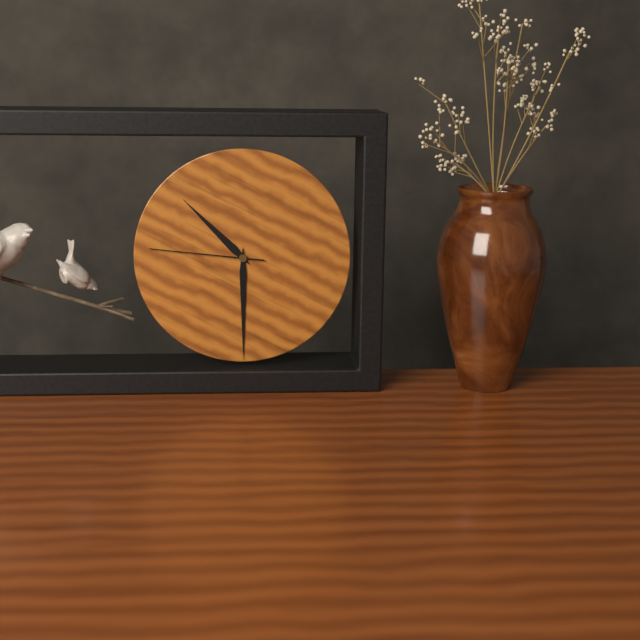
10,30,46
